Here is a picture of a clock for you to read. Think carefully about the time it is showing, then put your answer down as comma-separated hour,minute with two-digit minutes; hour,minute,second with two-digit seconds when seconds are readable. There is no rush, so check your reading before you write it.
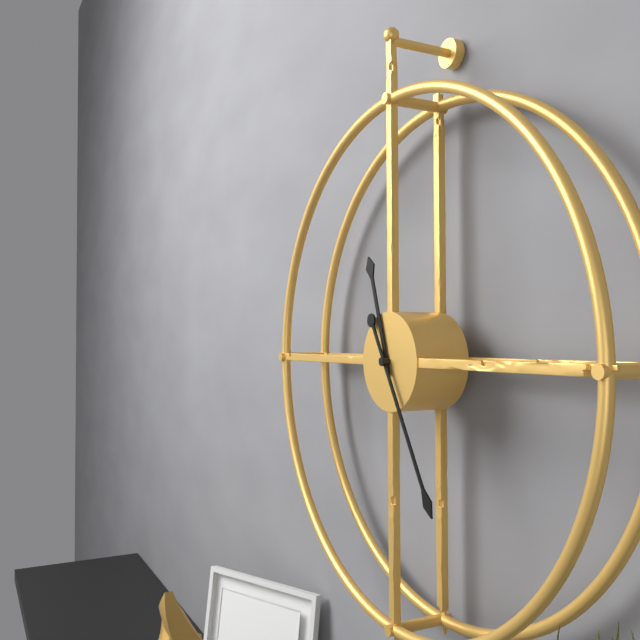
11,25
